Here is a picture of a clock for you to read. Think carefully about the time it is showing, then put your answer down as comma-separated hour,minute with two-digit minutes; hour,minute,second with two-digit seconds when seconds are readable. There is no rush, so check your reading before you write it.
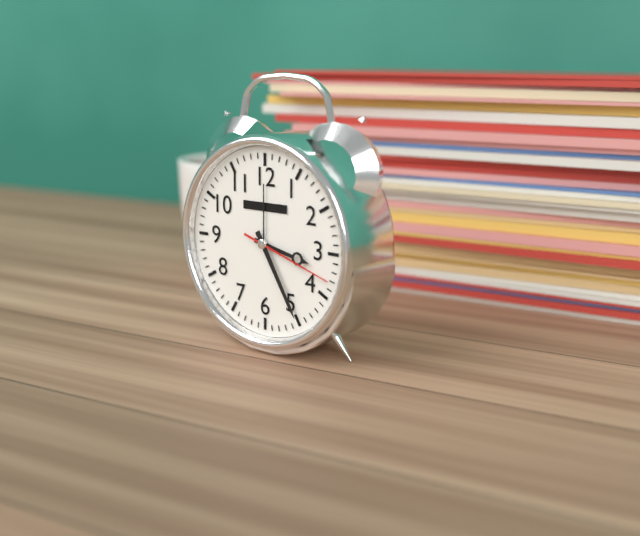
3,25,18
